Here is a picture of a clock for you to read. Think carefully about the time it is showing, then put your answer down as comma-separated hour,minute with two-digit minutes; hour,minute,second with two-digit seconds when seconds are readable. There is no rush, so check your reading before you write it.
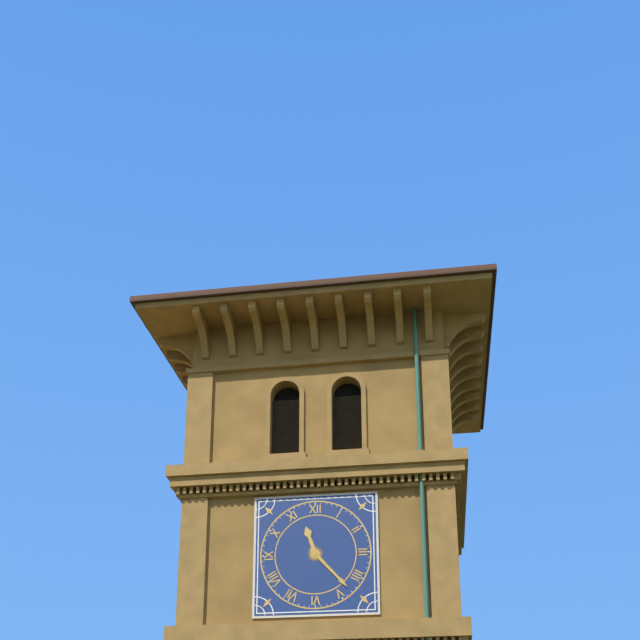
11,23
